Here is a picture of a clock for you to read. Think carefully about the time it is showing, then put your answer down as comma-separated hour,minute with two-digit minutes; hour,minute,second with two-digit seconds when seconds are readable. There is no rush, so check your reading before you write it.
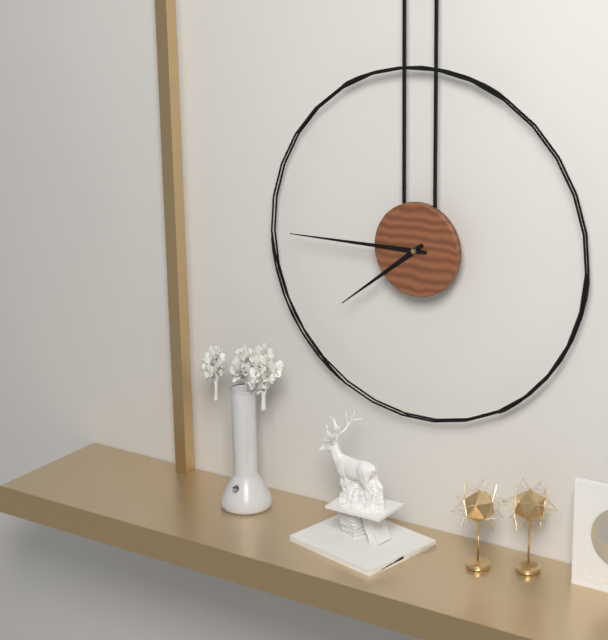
7,45
